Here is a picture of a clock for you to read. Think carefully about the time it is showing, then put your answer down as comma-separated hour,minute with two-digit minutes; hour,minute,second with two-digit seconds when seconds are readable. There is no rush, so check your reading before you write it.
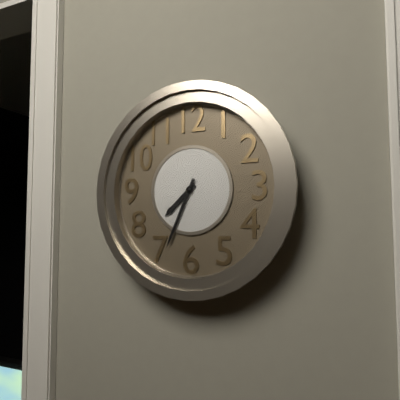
7,34
